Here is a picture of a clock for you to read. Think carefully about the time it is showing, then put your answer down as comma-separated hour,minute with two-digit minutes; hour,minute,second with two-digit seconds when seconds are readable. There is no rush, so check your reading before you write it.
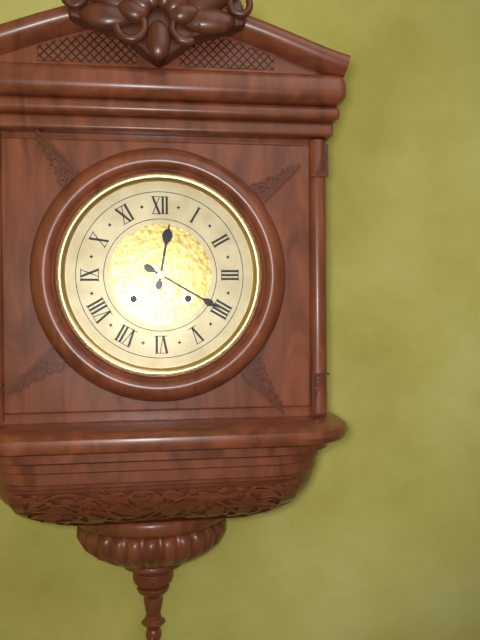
12,20
